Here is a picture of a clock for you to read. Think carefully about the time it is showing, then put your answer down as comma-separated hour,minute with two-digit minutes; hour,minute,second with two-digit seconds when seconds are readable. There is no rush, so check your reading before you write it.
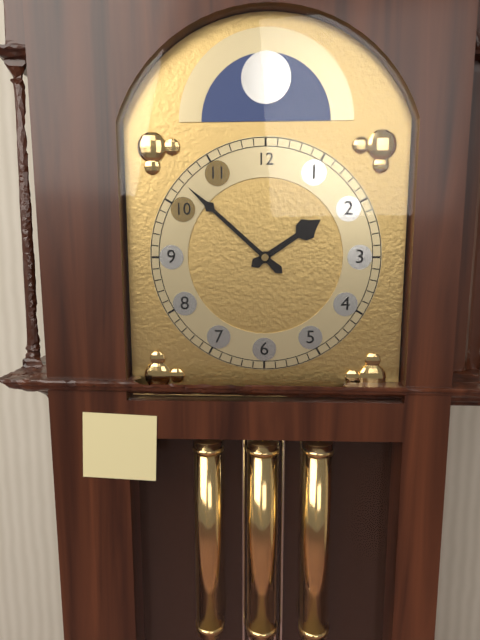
1,52
